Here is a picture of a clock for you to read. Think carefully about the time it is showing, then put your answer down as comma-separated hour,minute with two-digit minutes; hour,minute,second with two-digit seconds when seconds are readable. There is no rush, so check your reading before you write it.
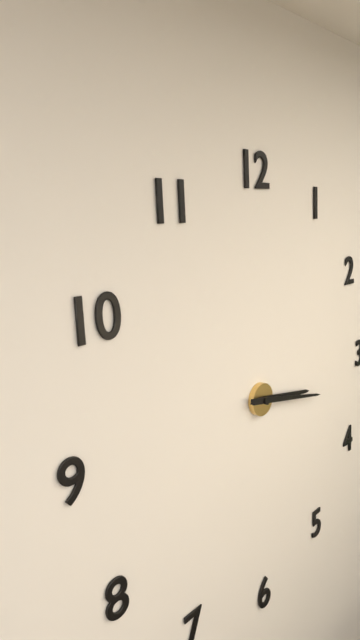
3,17
